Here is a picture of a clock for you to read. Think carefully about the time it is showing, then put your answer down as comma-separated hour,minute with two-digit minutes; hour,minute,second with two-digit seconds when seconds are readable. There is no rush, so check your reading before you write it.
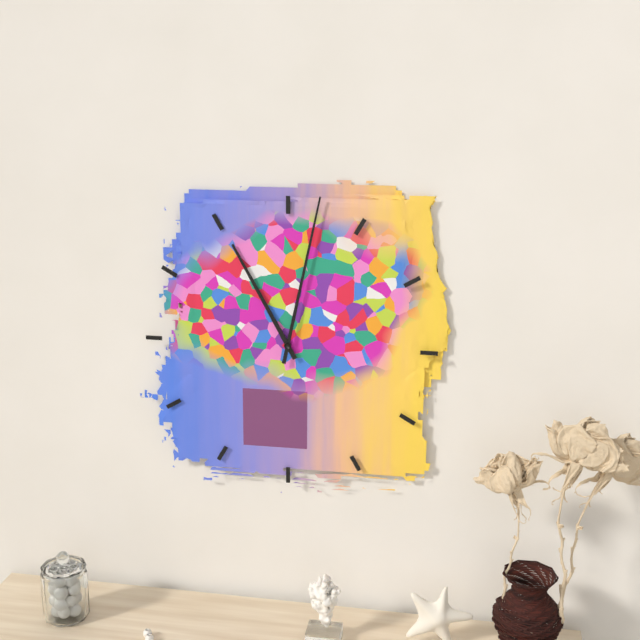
11,02
